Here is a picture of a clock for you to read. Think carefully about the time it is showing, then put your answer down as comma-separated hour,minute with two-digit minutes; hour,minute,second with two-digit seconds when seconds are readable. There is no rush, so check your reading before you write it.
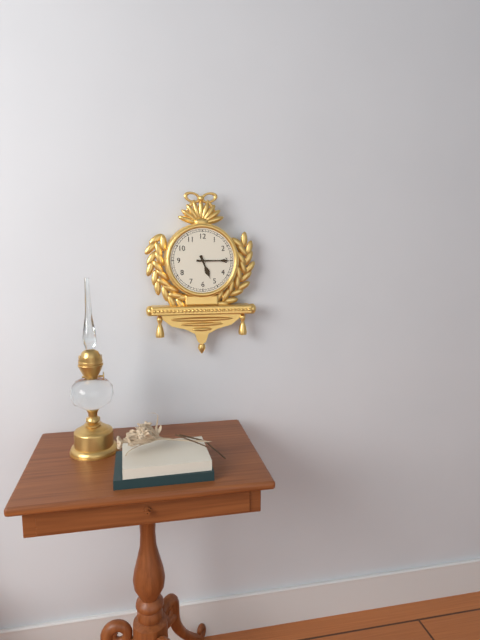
5,15
